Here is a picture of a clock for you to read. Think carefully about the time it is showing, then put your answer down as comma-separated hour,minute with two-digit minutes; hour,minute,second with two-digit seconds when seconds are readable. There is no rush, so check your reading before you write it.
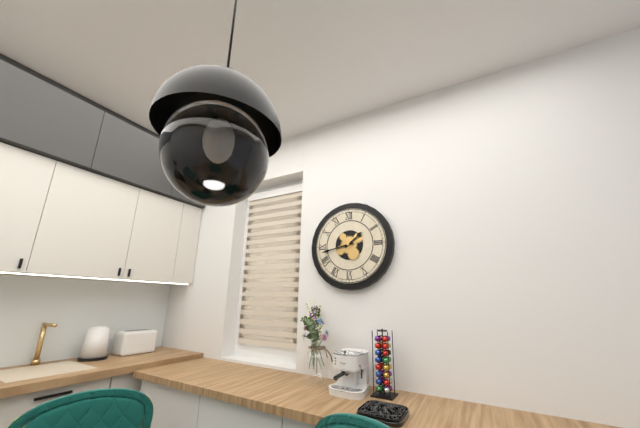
1,43
